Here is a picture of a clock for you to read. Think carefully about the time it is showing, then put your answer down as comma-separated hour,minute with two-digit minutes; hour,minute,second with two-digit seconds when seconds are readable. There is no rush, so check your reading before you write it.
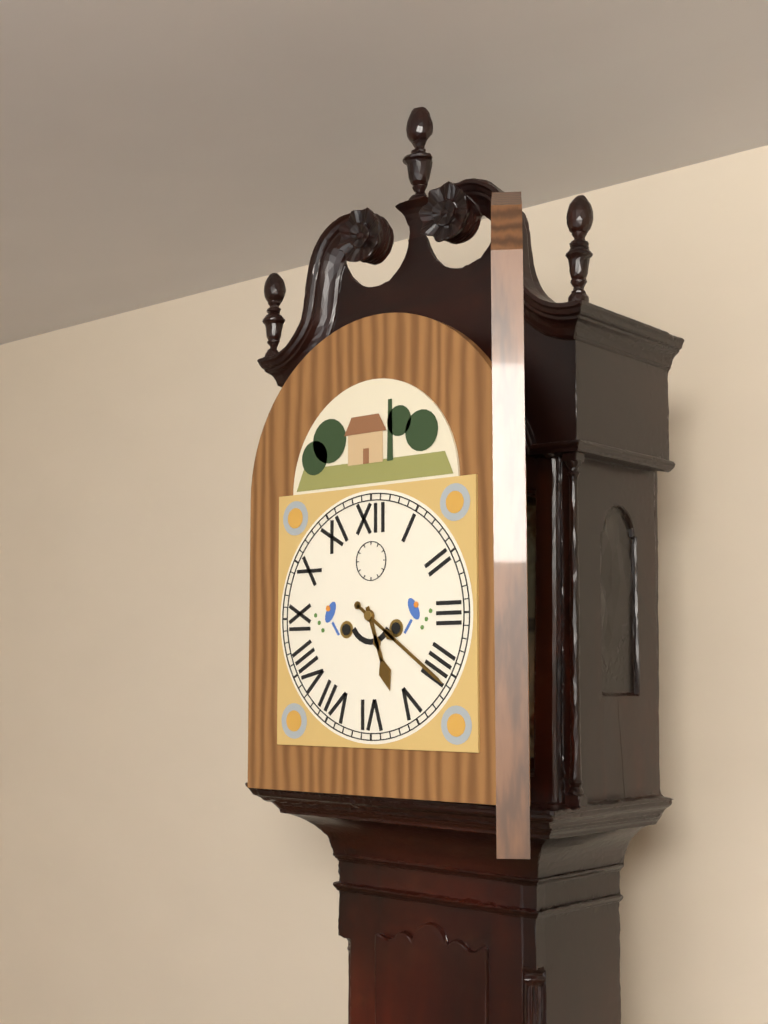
5,21
